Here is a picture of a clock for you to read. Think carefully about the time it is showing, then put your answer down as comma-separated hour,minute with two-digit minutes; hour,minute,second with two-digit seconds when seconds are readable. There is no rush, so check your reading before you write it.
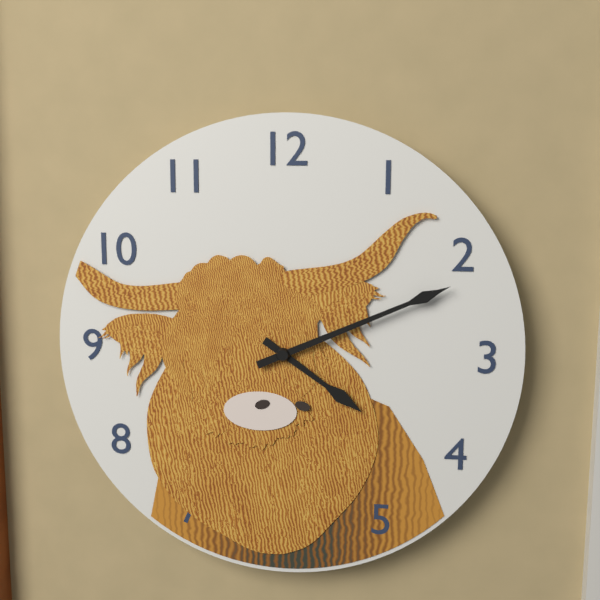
4,11
